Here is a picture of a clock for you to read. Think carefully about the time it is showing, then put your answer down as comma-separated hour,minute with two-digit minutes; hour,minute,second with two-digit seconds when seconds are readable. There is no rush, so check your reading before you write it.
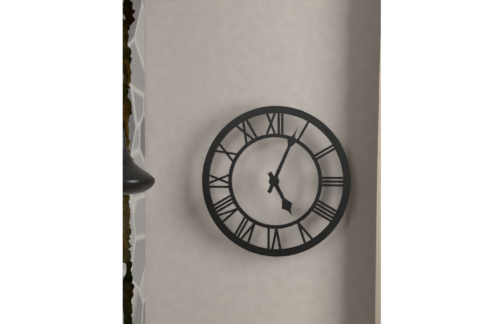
5,04
